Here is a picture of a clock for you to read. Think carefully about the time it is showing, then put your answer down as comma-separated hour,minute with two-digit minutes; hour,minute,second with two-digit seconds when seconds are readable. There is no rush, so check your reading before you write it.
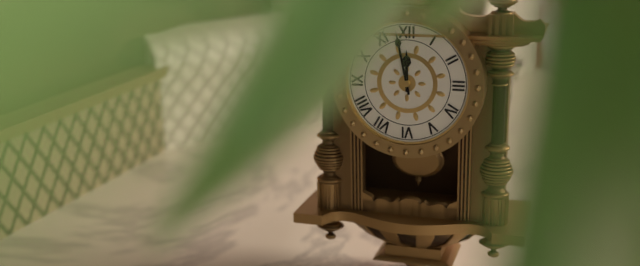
11,58
